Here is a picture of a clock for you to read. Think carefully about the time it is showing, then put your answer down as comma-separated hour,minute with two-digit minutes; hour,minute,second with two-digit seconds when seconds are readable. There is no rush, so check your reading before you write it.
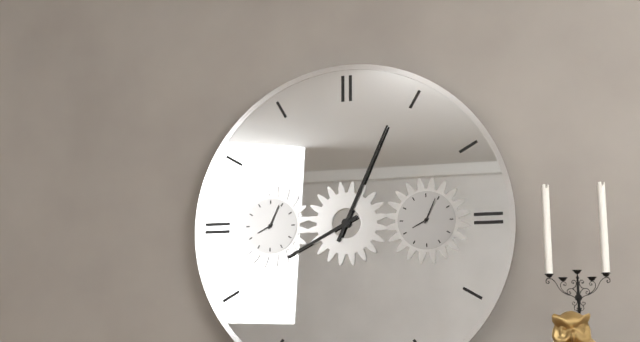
8,04
